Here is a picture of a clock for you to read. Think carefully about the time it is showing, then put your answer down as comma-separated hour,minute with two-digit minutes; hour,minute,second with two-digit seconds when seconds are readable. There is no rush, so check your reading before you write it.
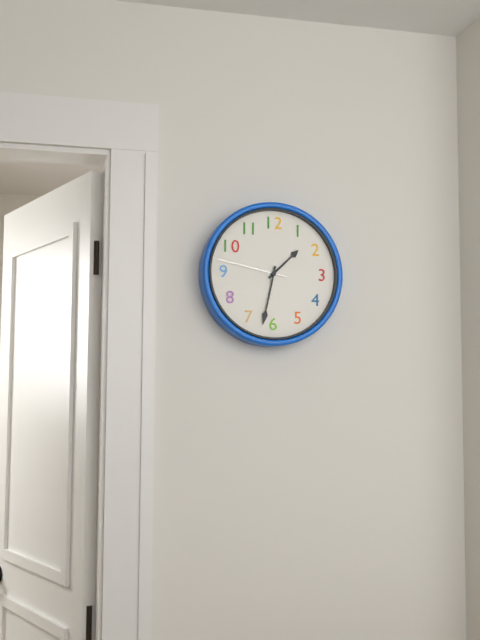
1,32,47
